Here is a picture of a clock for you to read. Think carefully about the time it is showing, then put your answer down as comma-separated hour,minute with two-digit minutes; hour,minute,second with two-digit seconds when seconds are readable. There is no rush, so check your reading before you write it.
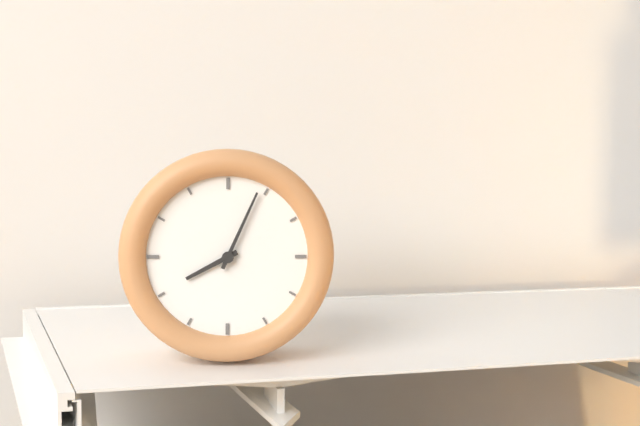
8,04
